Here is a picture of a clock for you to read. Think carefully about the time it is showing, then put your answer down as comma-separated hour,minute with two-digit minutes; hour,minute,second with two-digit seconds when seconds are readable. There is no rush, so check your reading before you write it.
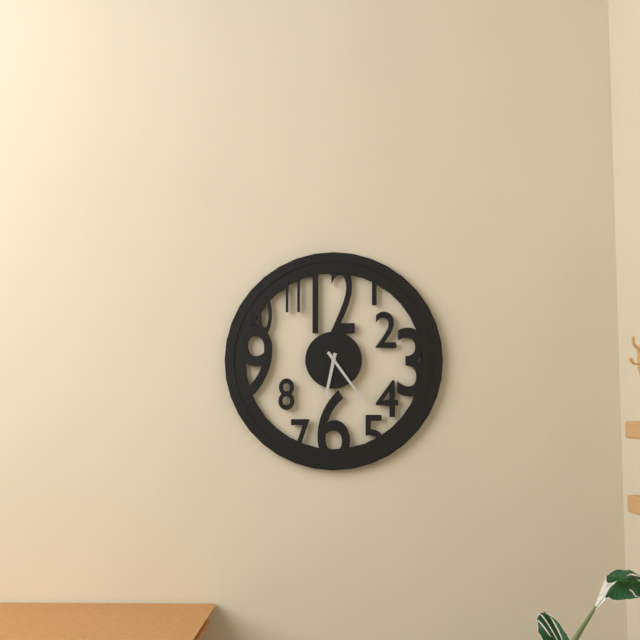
6,24
